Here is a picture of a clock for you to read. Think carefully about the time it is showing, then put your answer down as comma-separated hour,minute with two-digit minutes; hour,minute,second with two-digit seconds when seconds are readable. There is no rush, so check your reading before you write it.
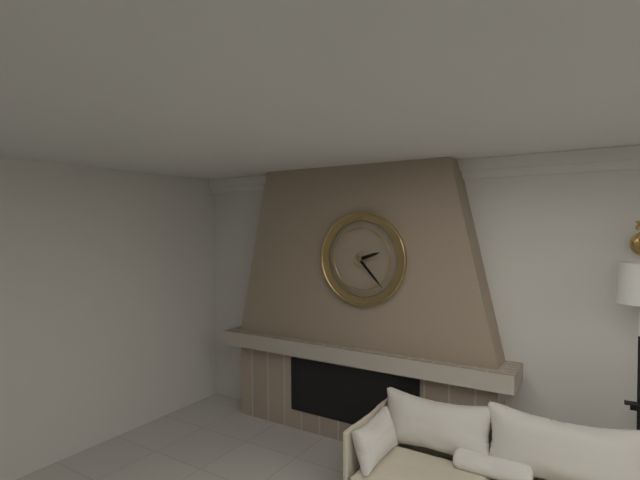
2,23
